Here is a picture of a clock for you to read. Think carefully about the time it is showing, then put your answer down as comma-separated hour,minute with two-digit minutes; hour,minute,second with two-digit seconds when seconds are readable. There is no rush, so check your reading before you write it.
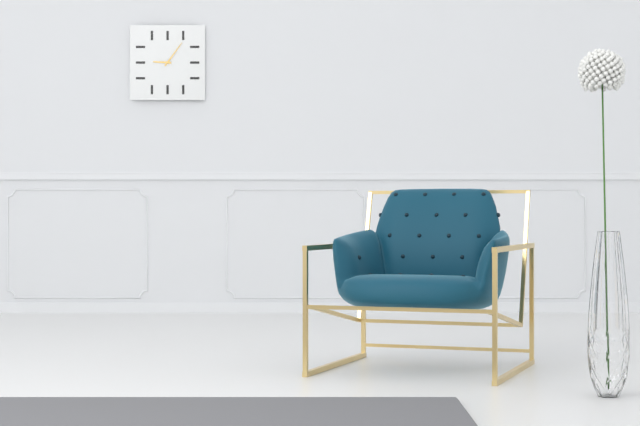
9,06
